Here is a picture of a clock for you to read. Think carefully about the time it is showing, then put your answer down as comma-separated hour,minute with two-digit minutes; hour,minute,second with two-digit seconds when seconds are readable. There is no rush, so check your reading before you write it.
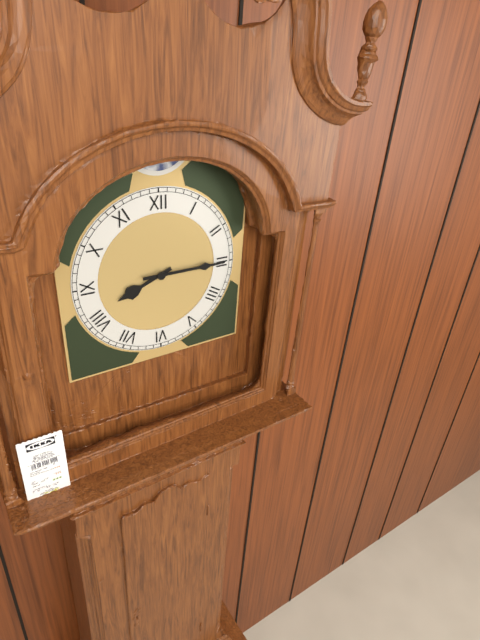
8,15
